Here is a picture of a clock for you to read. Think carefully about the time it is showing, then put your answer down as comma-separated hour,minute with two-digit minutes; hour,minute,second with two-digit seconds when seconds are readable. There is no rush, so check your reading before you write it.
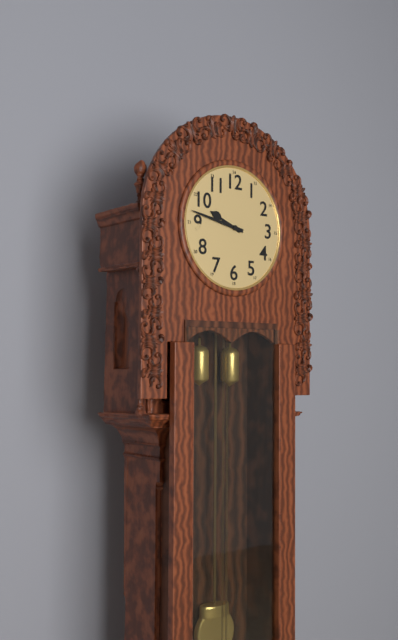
9,47
